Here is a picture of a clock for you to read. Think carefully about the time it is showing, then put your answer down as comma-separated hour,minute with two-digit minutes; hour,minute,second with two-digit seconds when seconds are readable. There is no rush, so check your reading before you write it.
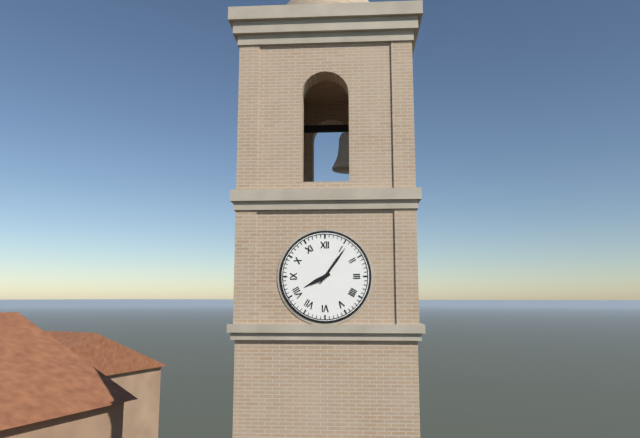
8,06
